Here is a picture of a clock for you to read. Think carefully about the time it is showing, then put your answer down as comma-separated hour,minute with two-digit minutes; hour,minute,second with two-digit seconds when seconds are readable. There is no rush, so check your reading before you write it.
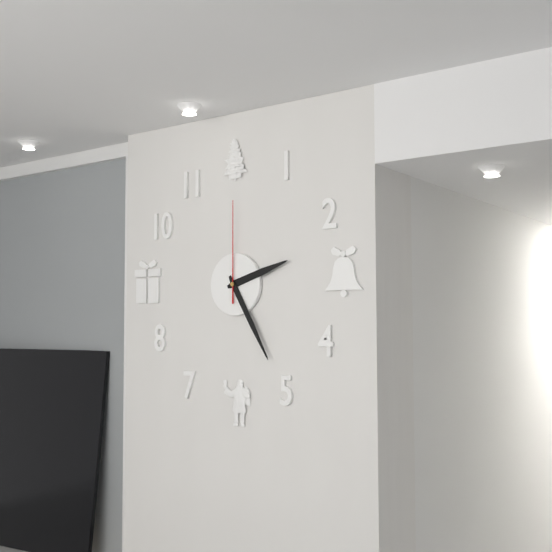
2,25,00
